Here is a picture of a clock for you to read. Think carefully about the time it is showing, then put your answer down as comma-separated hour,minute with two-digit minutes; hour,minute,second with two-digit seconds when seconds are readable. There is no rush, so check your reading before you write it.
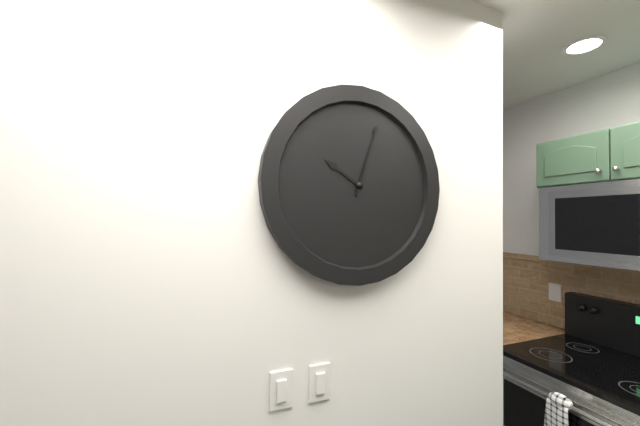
10,03
